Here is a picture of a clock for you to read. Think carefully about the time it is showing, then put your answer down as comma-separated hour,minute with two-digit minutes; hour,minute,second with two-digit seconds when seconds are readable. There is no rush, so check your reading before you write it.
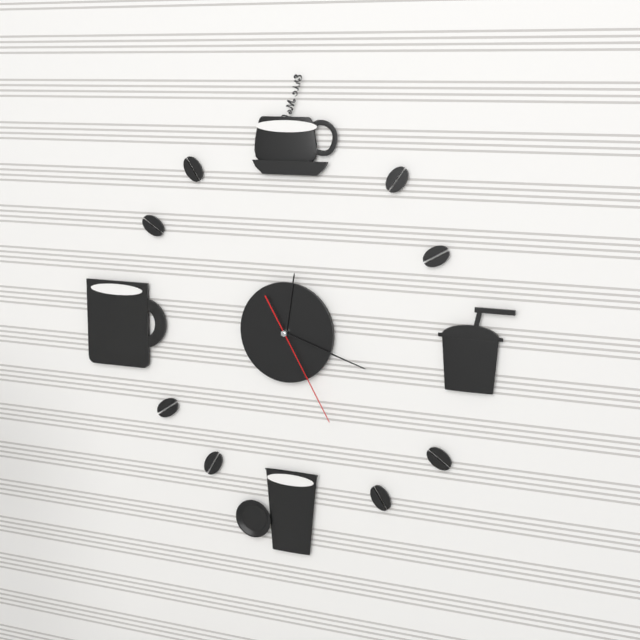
12,18,25
